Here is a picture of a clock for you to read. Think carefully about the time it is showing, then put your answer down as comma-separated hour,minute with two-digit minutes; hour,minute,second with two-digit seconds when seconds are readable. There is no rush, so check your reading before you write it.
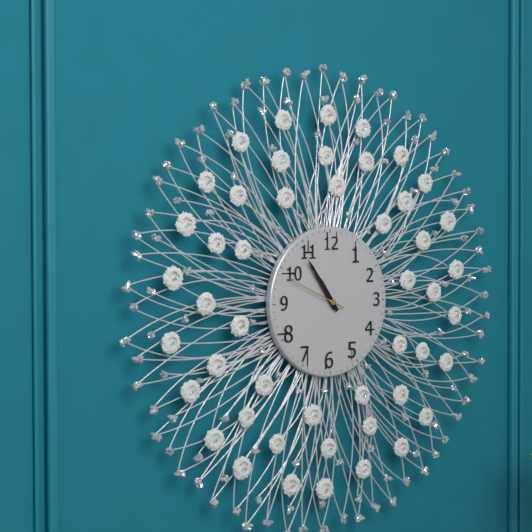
10,54,49
